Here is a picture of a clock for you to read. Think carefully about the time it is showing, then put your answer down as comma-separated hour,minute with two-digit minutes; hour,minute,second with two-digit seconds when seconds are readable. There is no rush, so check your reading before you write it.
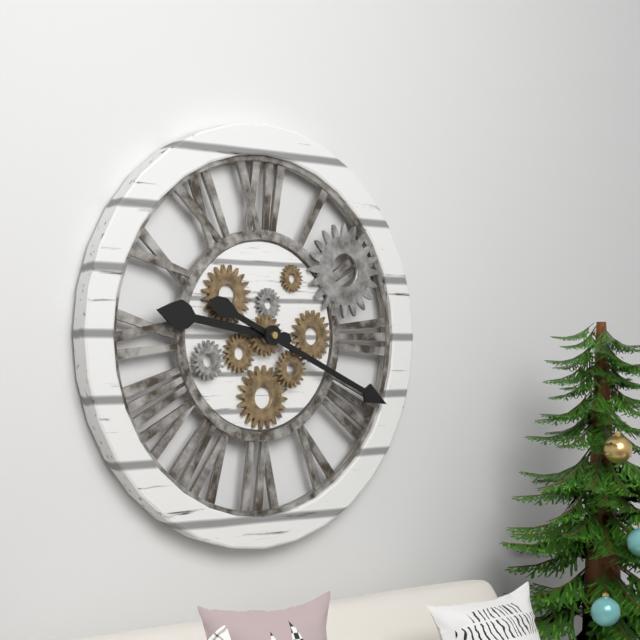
9,19
